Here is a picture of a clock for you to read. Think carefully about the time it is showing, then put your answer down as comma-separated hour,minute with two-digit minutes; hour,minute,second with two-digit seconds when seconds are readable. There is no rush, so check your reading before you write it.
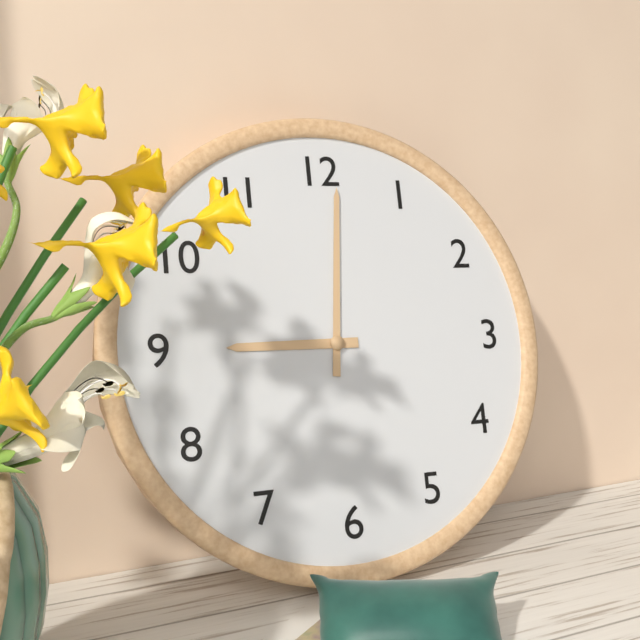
9,01
